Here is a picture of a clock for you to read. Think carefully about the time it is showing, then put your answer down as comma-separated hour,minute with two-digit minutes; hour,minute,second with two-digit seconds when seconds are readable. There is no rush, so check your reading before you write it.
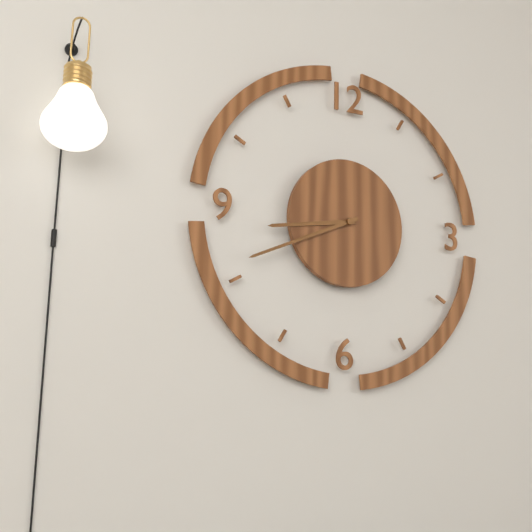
8,41
